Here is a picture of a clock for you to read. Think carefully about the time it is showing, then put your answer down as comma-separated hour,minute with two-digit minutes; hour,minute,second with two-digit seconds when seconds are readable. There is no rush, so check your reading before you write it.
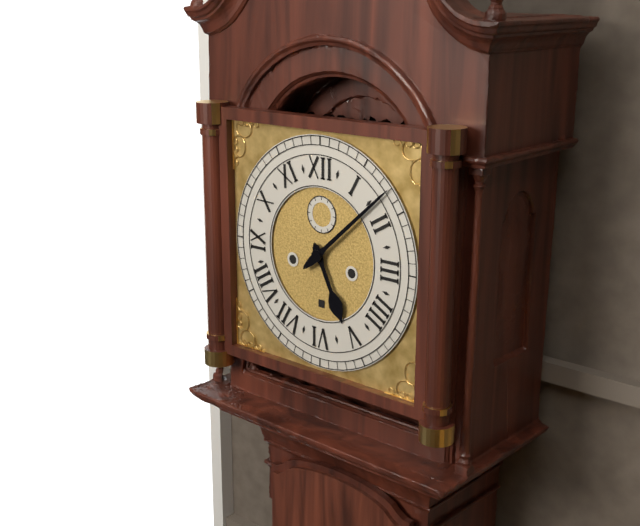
5,08
